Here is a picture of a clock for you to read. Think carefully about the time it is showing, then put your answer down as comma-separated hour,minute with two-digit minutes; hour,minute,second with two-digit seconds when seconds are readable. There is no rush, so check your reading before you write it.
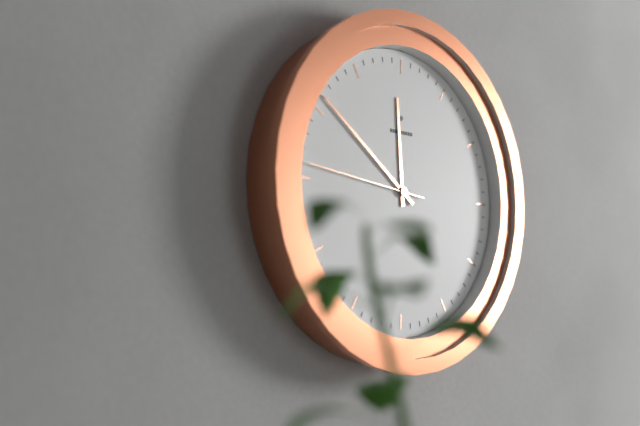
11,51,46
